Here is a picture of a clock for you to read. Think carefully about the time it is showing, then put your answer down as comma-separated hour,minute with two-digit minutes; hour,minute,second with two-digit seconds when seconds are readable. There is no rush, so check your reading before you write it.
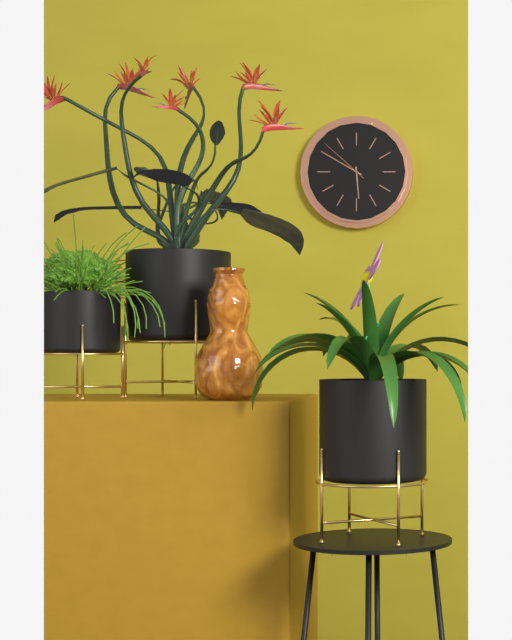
5,50,52
